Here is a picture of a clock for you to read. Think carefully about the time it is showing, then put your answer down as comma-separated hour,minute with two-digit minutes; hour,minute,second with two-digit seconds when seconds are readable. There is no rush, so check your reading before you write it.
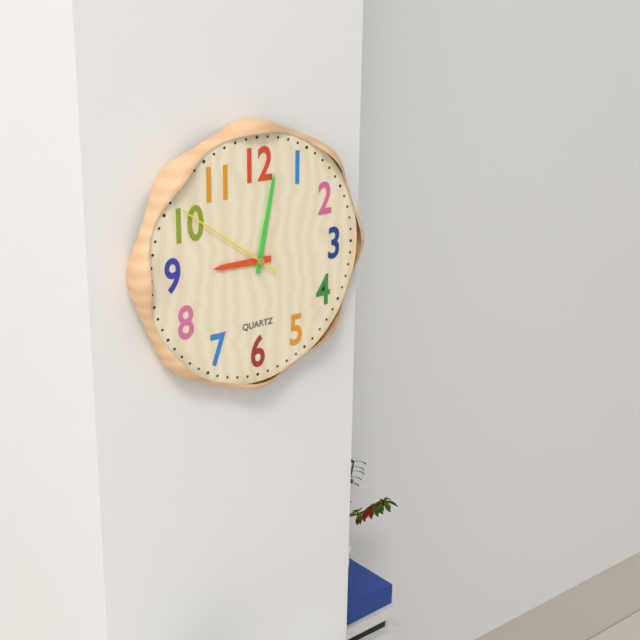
9,02,51
